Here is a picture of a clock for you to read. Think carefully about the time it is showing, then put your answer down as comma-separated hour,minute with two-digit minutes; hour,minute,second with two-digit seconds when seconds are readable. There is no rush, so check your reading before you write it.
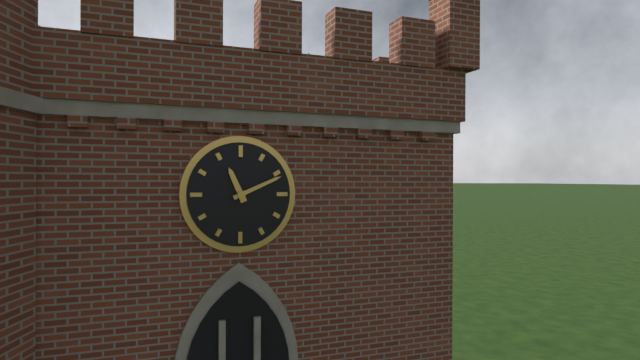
11,11
